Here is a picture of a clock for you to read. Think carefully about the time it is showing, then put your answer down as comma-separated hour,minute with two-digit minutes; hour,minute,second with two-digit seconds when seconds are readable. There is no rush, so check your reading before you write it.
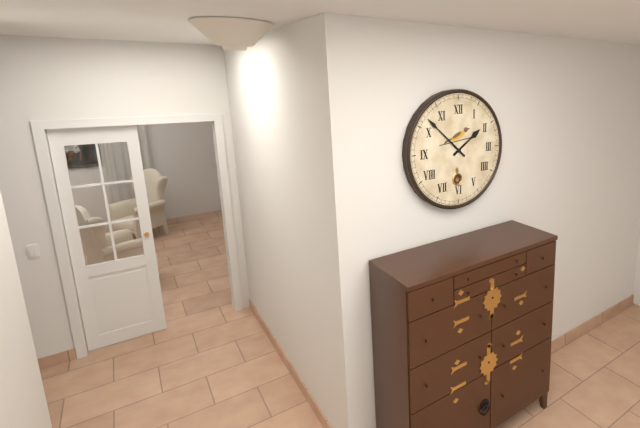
1,52
